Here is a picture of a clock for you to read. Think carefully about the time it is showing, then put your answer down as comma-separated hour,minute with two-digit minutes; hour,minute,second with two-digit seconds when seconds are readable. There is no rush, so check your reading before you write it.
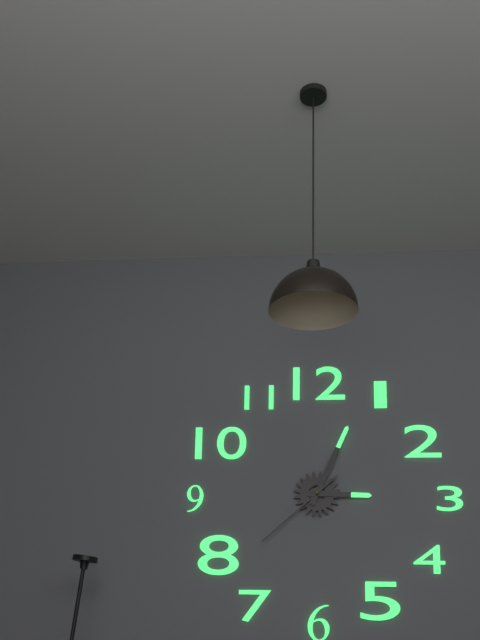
3,04,38
